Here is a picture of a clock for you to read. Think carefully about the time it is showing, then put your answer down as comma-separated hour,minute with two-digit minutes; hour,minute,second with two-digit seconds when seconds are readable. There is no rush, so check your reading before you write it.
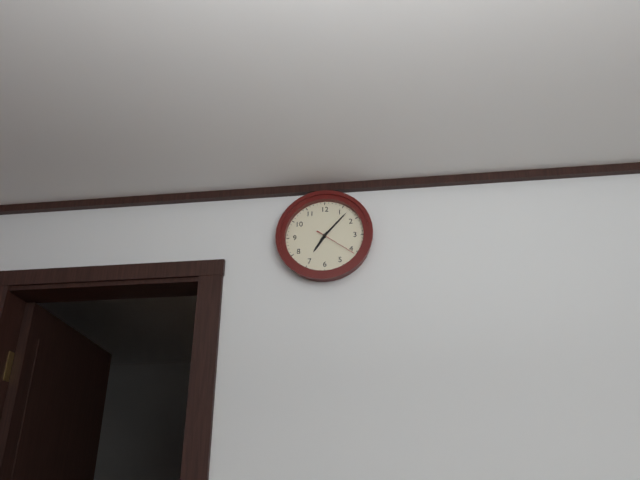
7,07
